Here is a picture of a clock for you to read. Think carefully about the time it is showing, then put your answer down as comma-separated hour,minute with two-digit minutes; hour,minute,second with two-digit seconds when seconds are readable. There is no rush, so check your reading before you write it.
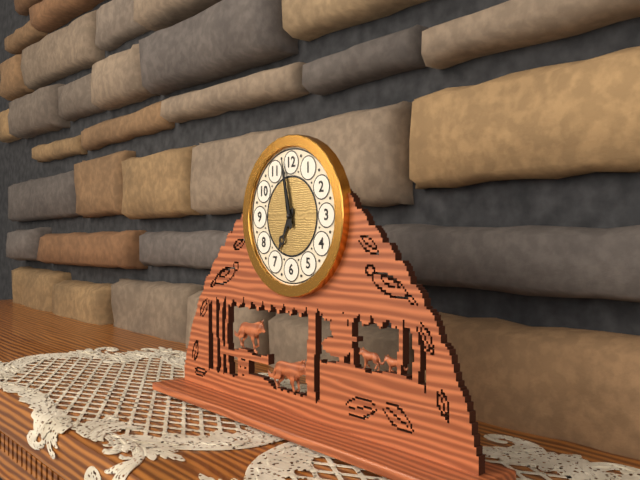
6,58
